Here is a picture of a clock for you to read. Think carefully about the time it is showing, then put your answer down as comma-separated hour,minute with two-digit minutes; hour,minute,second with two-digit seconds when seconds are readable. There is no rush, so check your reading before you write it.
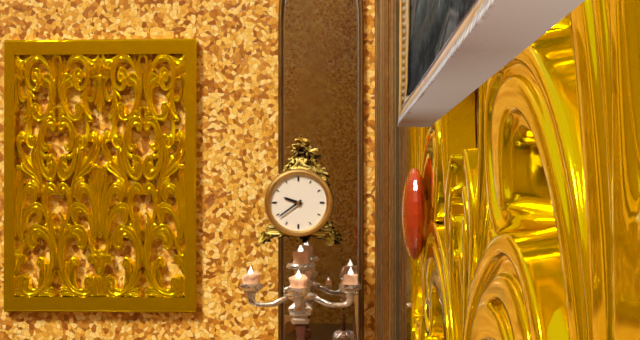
9,39
